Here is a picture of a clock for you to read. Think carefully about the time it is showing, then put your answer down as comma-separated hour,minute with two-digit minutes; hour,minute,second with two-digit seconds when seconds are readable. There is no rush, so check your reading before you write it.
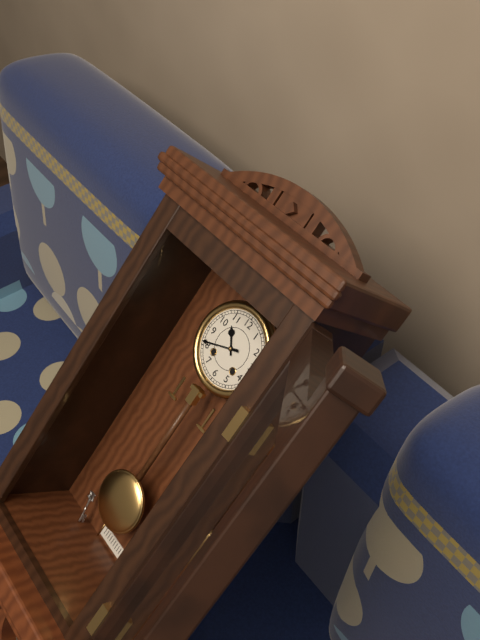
10,41
